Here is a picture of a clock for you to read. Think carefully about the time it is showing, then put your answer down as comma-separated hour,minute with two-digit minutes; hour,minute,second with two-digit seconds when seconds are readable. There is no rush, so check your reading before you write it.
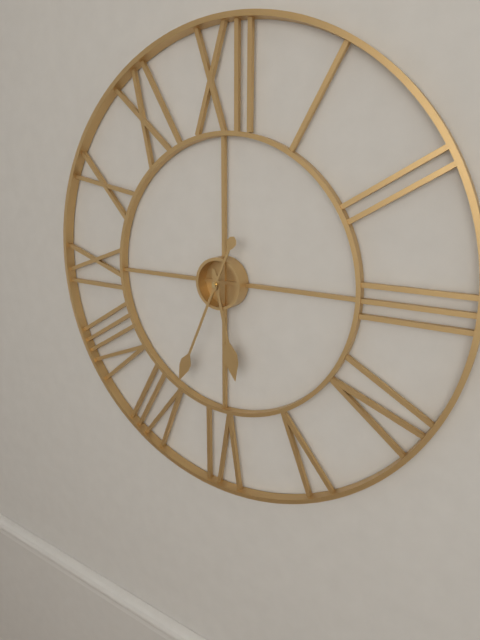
5,34
